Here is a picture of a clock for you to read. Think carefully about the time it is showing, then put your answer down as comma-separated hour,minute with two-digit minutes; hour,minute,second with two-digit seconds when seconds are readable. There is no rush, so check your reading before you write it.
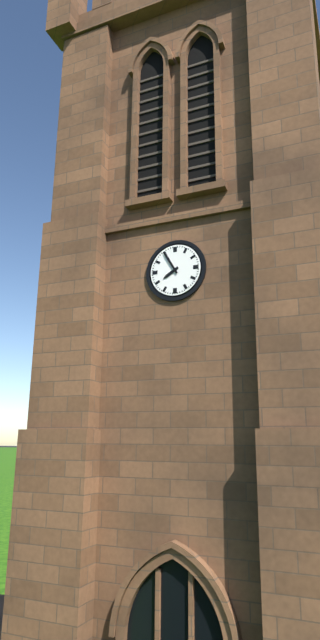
7,55
